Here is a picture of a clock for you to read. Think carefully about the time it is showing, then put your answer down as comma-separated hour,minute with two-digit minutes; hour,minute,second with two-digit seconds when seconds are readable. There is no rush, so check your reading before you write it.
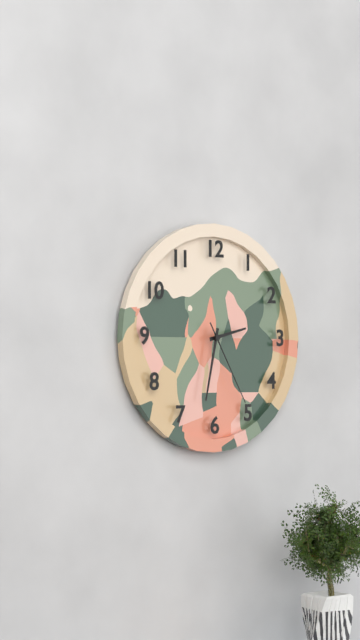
2,32,25
